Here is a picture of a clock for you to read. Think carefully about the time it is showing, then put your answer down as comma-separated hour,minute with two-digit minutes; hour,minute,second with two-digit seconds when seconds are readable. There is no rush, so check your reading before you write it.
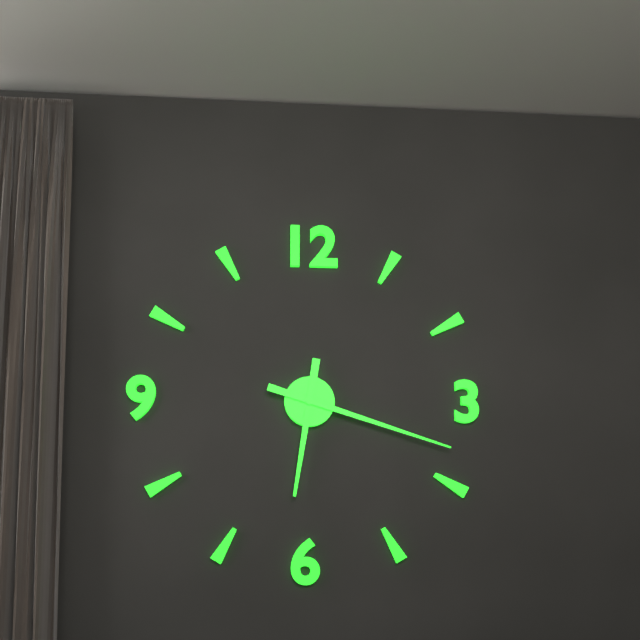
6,18
